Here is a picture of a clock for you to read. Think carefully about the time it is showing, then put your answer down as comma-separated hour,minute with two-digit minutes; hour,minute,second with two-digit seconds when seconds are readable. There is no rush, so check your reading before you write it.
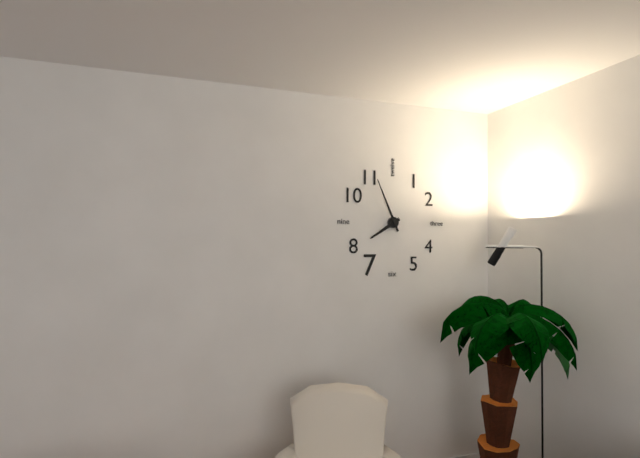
7,56
